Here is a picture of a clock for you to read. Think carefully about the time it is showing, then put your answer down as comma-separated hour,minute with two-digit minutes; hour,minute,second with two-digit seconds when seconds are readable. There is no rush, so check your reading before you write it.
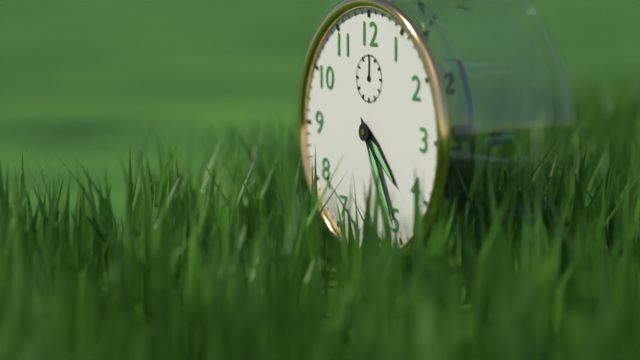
4,25
